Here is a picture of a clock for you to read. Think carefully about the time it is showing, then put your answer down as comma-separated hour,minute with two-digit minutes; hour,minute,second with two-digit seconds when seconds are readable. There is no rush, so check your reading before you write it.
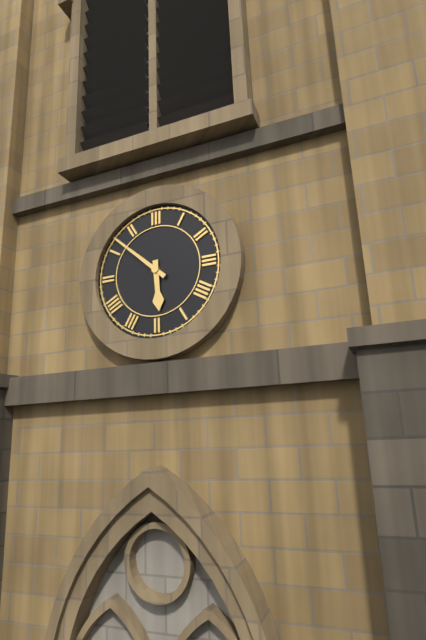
5,52
